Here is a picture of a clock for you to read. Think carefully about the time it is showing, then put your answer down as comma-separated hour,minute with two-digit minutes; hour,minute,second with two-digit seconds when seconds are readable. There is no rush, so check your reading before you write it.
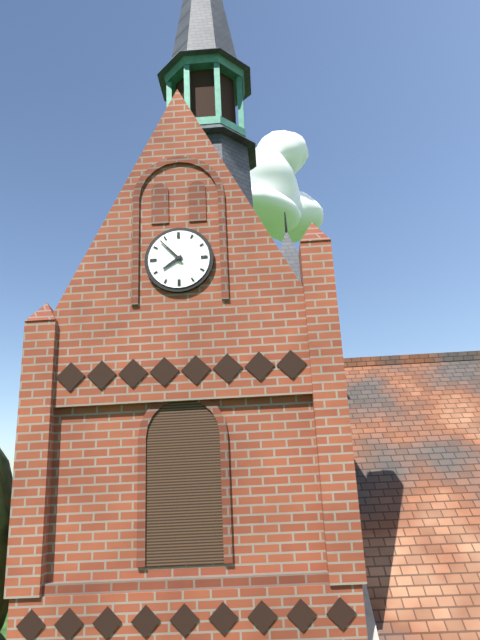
7,53
